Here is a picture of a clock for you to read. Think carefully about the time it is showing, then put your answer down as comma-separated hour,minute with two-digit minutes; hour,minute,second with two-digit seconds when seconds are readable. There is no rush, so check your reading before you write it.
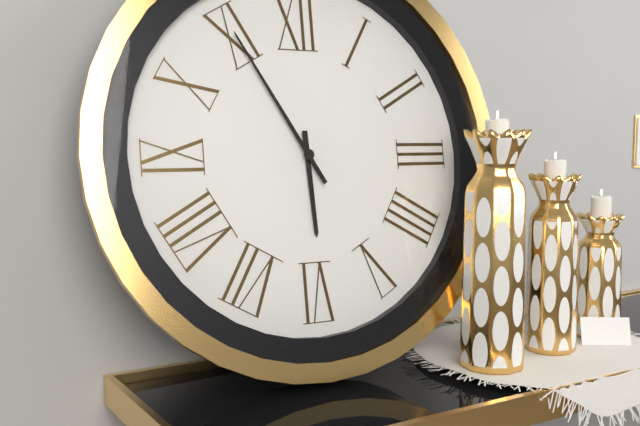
5,55
